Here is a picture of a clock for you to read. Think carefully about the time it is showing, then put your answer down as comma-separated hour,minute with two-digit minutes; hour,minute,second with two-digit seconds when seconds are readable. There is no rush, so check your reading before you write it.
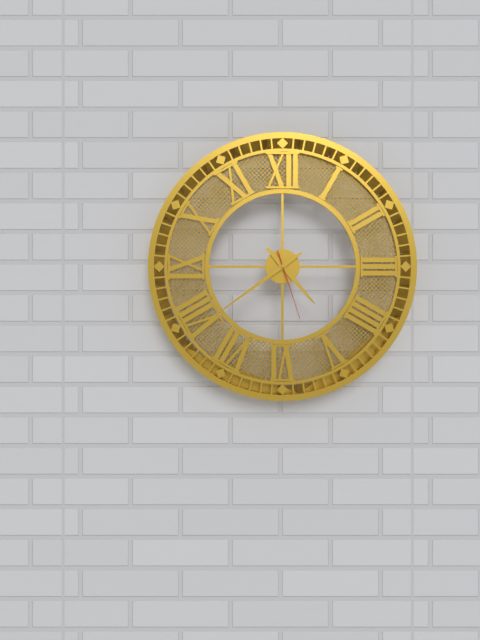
4,39,27
